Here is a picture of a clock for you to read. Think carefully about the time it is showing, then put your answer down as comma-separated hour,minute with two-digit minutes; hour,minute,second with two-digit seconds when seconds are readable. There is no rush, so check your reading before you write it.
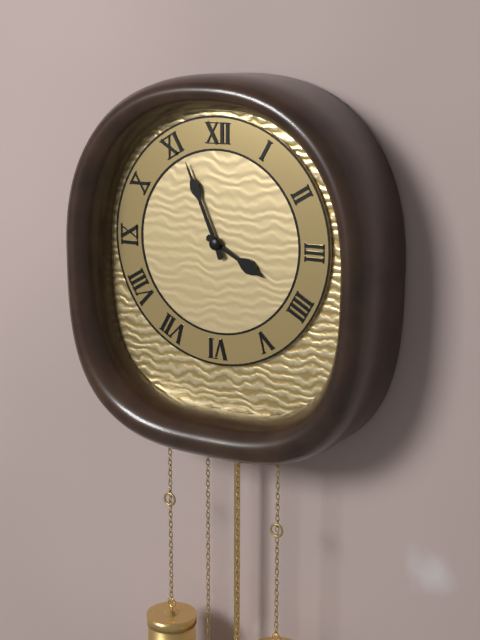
3,56
